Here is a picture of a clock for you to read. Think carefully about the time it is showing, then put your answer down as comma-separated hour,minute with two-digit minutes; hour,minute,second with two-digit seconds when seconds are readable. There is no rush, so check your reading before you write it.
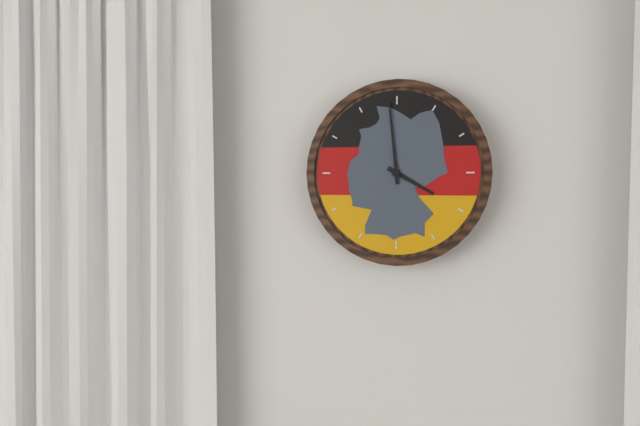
3,59
